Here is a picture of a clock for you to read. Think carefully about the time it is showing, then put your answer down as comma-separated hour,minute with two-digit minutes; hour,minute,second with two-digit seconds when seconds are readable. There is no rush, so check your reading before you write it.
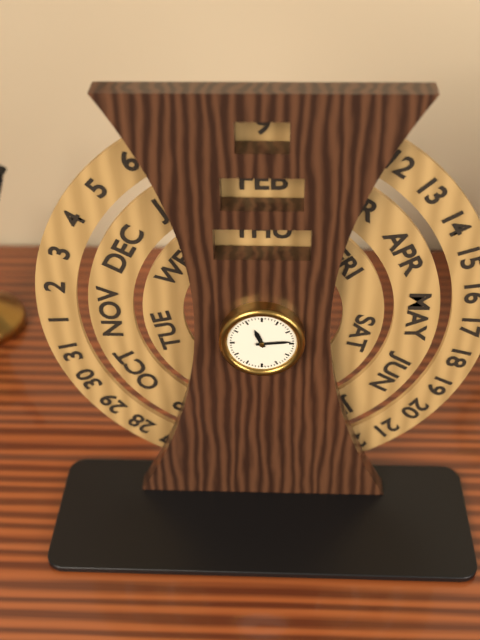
11,14
